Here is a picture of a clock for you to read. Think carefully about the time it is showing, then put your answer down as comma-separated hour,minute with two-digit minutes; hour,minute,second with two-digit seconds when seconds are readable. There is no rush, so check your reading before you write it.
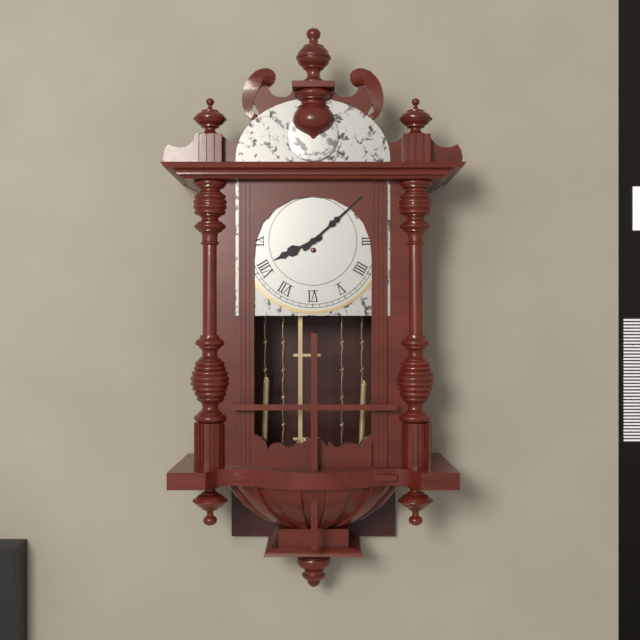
8,08
